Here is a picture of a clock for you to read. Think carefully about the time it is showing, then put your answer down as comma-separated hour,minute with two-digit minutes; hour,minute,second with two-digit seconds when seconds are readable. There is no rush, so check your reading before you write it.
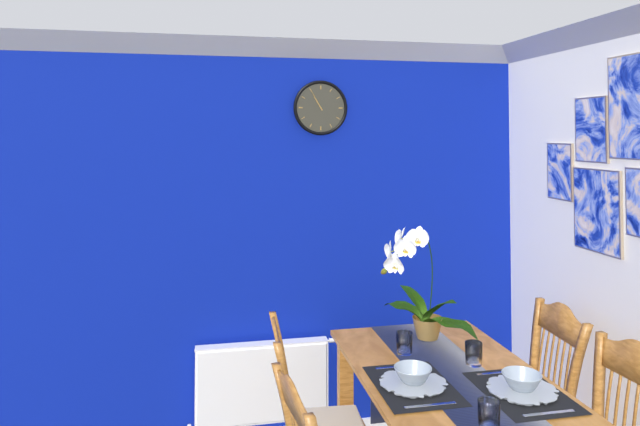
10,55
